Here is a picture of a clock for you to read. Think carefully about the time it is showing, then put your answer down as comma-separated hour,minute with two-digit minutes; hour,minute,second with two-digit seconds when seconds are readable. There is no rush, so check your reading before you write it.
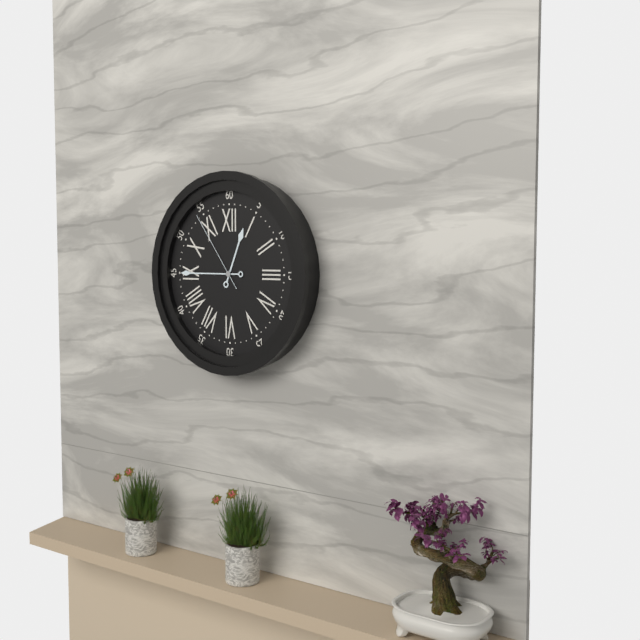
12,45,54
